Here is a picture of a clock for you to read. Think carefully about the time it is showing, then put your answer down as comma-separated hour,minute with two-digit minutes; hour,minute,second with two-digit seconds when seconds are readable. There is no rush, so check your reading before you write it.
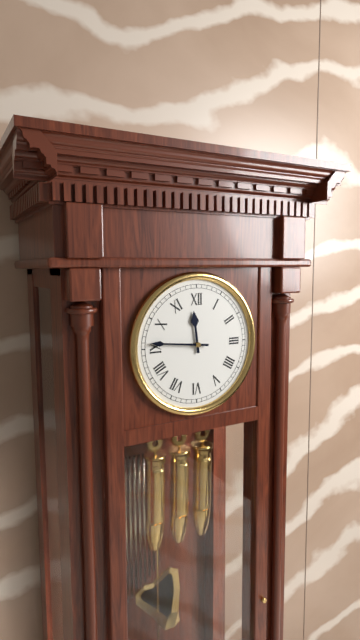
11,46
